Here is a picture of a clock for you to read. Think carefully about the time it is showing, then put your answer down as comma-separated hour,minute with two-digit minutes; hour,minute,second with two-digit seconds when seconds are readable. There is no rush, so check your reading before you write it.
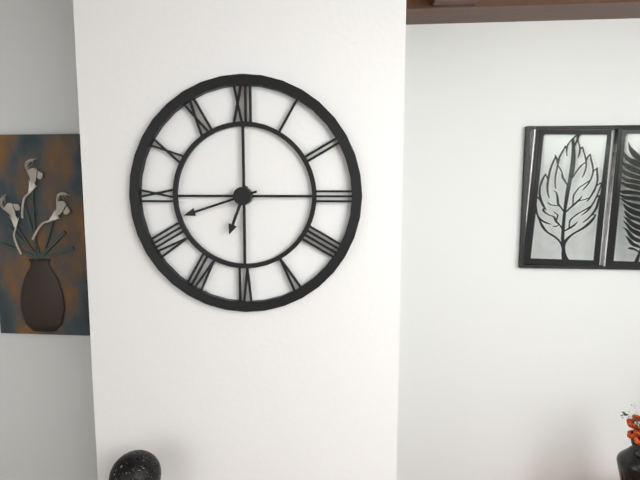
6,42
